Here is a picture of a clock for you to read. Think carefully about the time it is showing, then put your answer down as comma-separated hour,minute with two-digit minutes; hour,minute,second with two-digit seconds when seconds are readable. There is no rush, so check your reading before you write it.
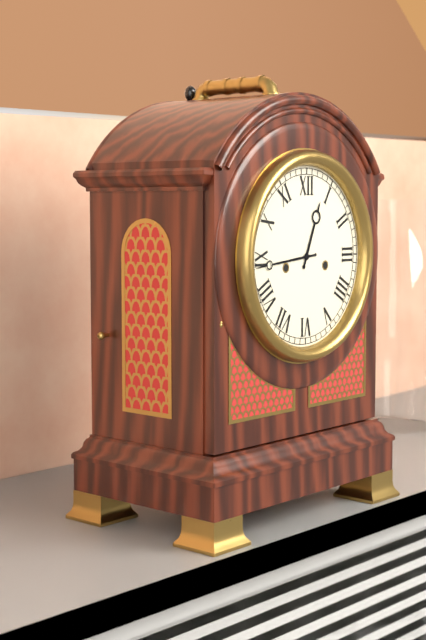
12,44
